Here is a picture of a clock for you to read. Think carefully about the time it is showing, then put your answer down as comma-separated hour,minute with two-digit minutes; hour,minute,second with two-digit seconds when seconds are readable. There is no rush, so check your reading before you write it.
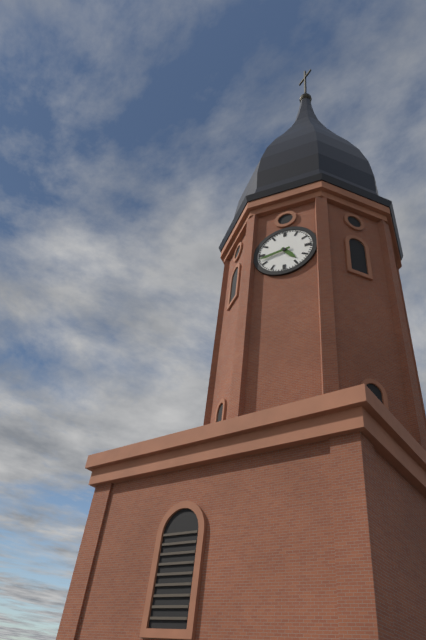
4,43
